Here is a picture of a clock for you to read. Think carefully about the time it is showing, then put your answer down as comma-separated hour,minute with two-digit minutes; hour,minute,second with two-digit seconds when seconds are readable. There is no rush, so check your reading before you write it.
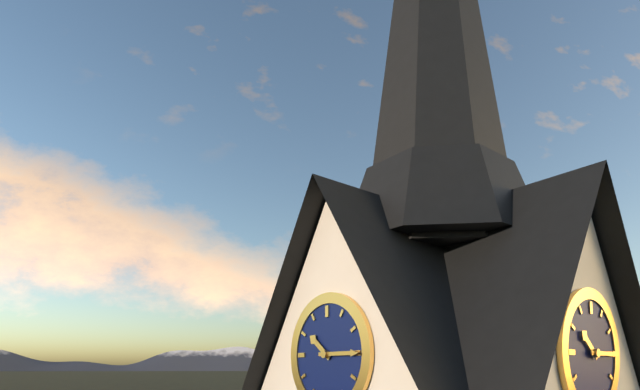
10,15
